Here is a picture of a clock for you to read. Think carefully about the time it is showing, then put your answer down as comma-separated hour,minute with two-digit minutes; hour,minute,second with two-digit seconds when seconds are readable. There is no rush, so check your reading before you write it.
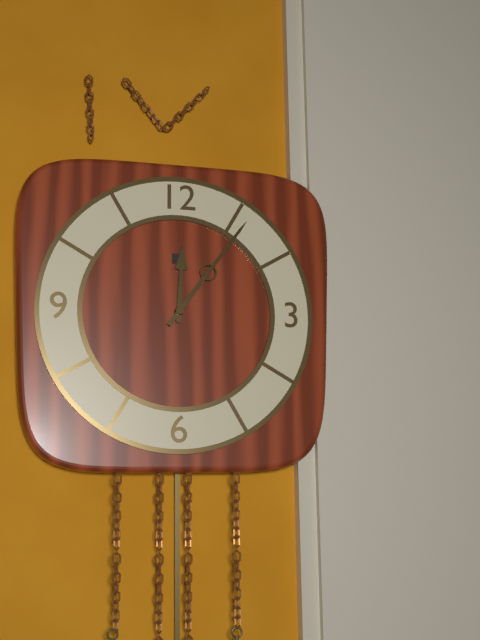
12,06
